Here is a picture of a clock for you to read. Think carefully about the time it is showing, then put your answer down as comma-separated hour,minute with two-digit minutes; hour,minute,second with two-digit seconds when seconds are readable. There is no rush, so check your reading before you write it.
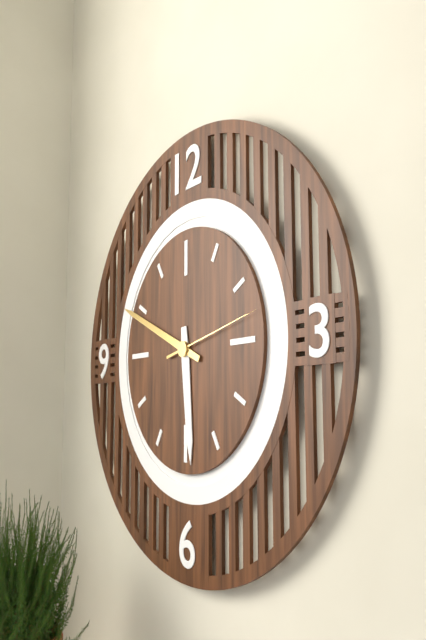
5,49,13
